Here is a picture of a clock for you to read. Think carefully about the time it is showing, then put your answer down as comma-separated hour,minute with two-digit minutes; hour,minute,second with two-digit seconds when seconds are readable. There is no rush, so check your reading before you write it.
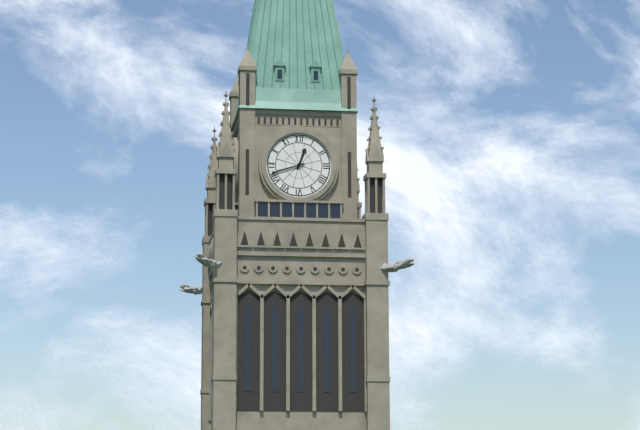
12,42
